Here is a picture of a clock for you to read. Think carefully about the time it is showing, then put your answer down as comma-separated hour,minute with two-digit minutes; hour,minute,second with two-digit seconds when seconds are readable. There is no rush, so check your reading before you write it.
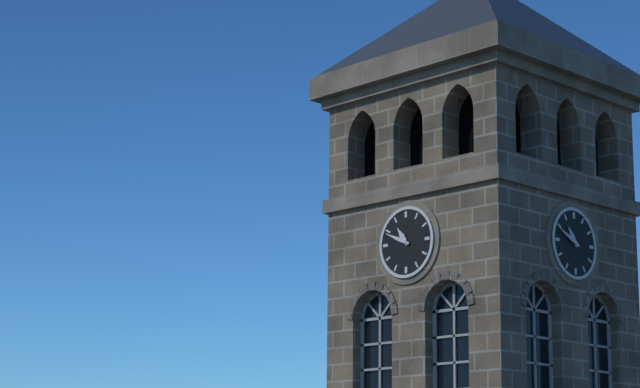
10,49
